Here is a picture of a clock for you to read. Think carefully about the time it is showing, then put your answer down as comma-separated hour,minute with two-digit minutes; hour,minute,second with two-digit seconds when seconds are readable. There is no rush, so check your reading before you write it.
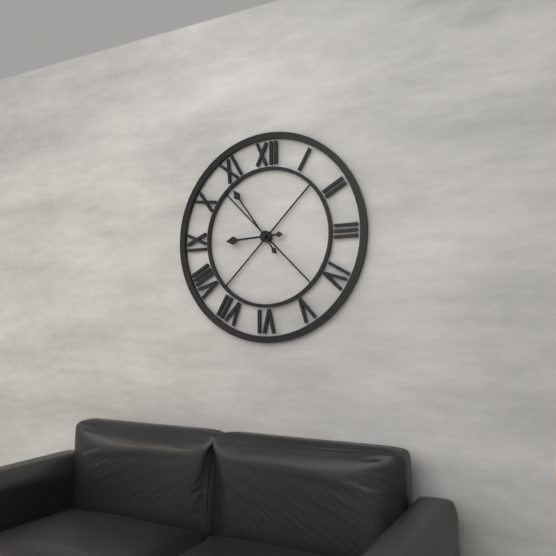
8,54
